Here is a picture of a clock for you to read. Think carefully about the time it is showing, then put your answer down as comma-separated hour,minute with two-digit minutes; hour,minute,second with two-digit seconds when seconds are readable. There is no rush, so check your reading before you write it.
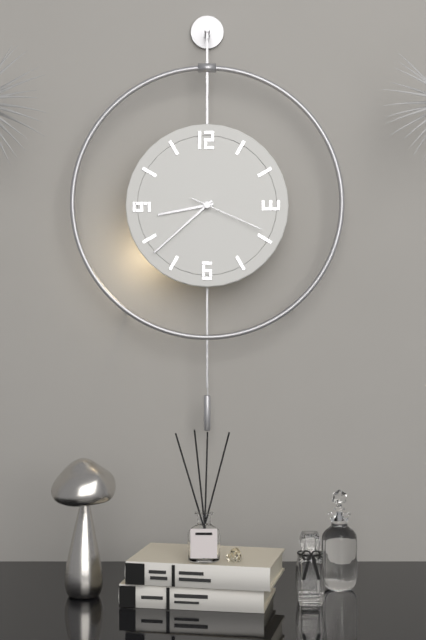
8,38,19
